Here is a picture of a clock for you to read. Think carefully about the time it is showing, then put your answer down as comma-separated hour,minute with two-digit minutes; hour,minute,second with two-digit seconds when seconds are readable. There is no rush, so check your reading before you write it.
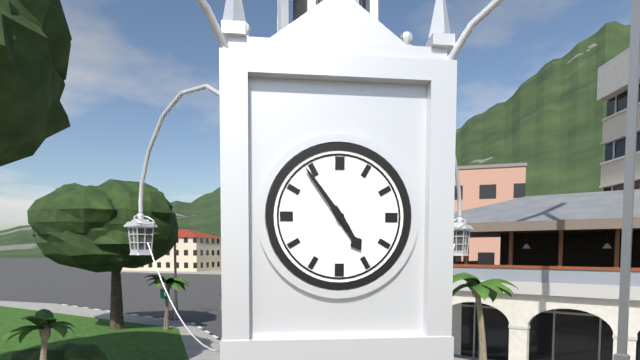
4,54
